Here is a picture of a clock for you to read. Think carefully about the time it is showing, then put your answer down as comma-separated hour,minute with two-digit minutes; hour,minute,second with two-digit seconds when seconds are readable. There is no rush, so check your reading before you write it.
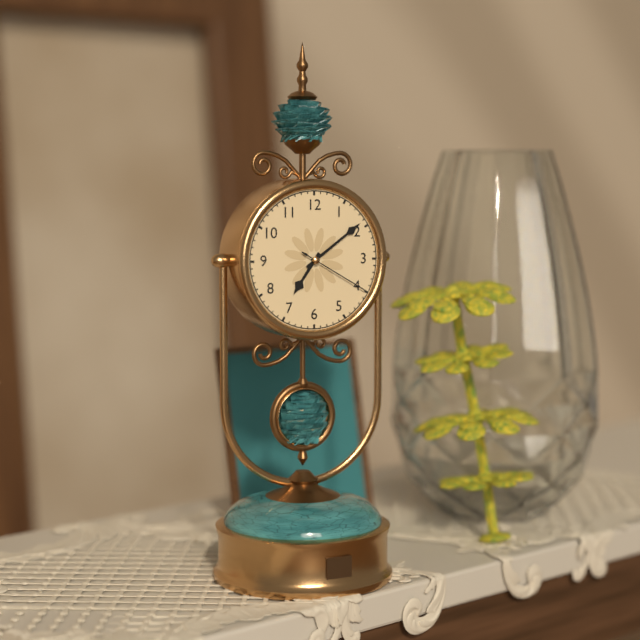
7,09,20
